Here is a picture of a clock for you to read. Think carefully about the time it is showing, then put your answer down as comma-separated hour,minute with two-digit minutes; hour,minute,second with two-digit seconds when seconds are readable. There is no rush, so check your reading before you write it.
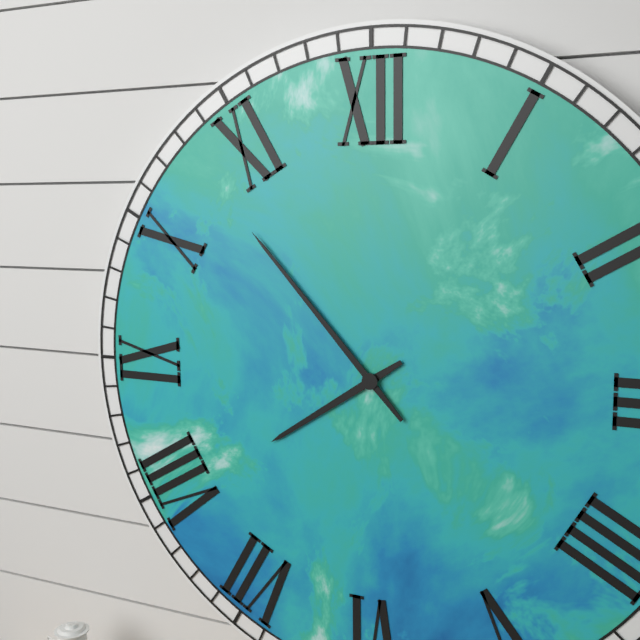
7,53
